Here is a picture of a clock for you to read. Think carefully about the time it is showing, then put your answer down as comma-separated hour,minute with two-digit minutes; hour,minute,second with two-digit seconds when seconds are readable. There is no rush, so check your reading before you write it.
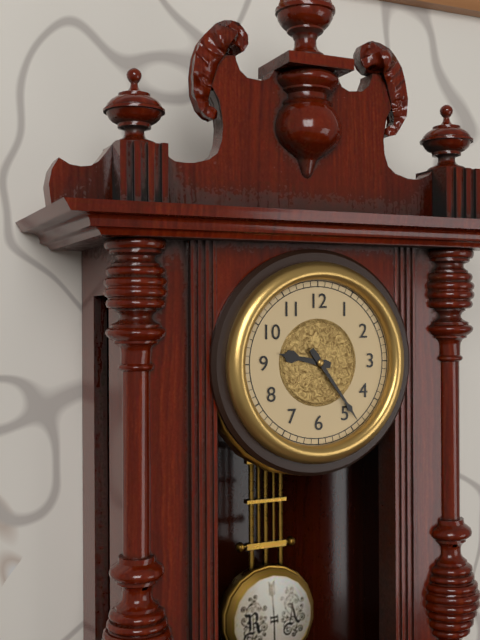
9,24
